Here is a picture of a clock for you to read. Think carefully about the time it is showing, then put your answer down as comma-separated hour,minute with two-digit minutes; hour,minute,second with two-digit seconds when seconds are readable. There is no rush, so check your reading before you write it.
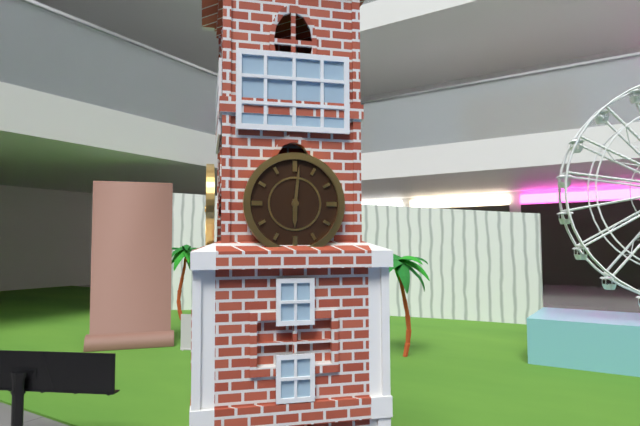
6,01
